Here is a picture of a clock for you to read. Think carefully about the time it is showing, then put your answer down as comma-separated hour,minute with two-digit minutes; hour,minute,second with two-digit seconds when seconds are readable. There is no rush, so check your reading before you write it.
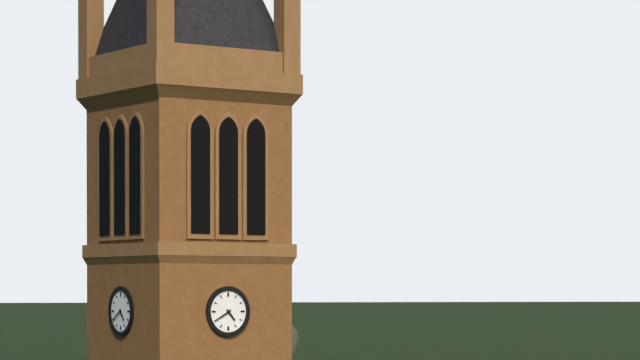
4,40
